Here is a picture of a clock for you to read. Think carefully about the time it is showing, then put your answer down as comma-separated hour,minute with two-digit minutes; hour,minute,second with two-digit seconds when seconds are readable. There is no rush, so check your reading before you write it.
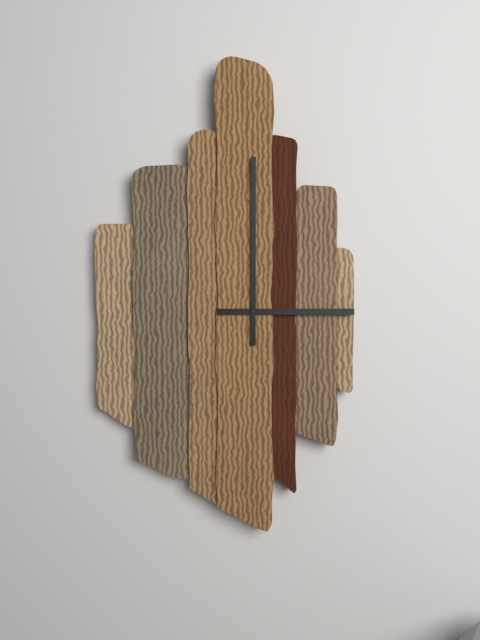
3,00
